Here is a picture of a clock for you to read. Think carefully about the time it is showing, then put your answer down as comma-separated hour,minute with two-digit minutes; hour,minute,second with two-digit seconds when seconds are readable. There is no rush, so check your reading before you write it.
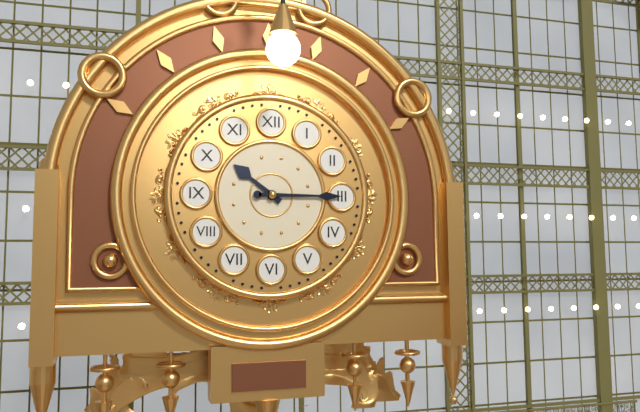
10,15
